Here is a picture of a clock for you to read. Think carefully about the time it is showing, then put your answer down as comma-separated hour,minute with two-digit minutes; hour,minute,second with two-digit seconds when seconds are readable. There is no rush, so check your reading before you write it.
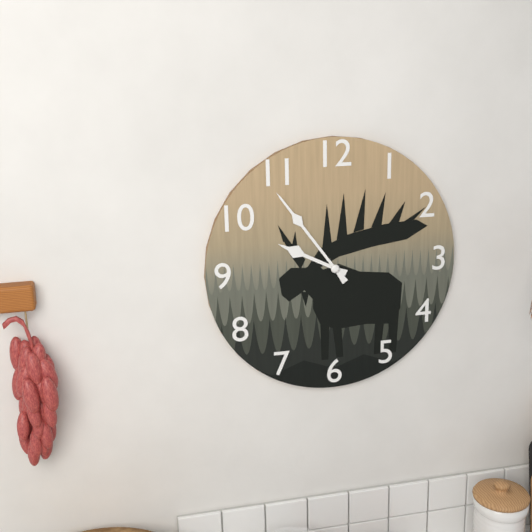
9,54
